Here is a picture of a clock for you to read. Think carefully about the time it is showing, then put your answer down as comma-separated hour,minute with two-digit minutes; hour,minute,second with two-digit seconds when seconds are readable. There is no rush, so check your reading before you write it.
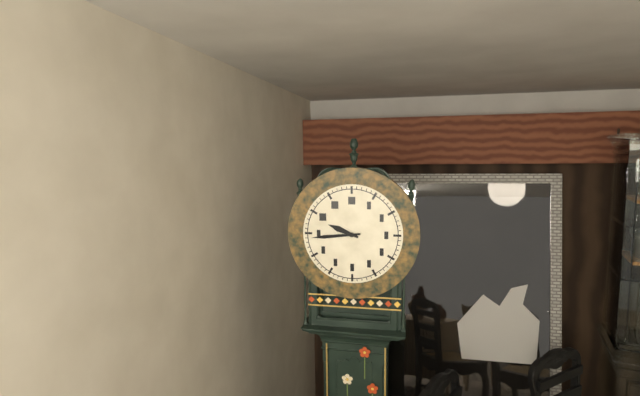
9,44
